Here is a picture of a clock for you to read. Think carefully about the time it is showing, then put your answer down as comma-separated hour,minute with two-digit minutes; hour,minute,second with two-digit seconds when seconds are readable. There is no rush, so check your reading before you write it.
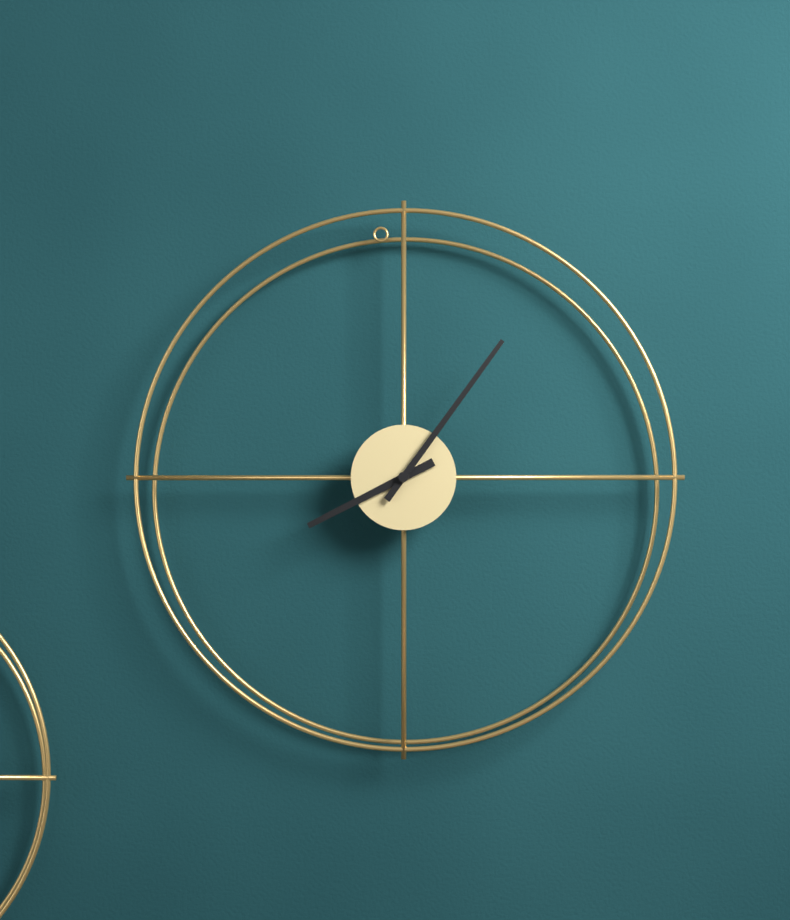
8,06
